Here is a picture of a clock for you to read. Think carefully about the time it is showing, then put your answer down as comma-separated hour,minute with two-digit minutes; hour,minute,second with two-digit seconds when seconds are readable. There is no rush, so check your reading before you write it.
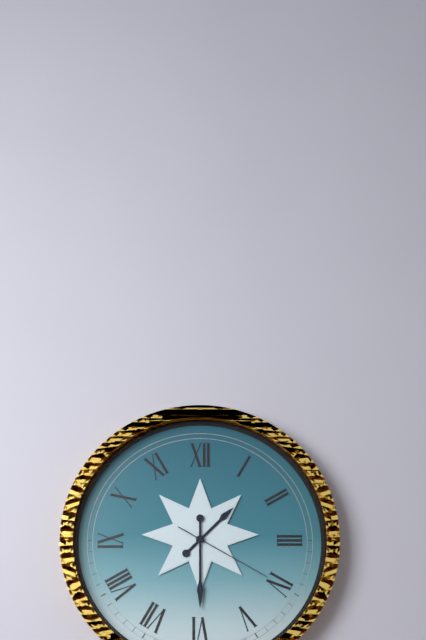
1,30,20
